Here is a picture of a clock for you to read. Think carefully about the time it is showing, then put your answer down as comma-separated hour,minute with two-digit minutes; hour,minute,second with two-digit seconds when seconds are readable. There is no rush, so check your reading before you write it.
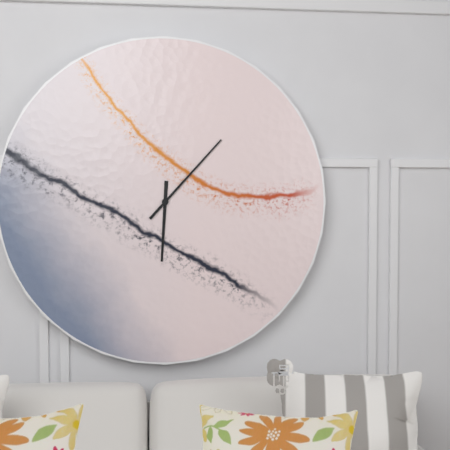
6,07
